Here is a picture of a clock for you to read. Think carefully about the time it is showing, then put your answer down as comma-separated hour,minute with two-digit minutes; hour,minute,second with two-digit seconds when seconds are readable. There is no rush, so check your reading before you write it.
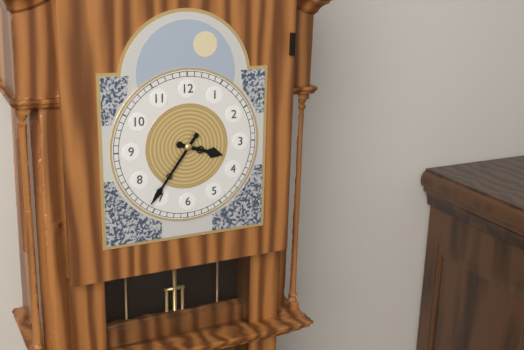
3,36
